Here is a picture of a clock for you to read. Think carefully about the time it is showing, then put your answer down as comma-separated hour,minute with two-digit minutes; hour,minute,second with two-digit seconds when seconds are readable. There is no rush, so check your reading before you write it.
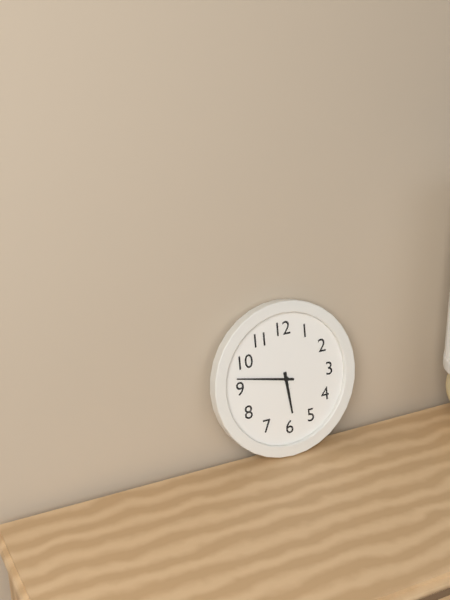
5,47
